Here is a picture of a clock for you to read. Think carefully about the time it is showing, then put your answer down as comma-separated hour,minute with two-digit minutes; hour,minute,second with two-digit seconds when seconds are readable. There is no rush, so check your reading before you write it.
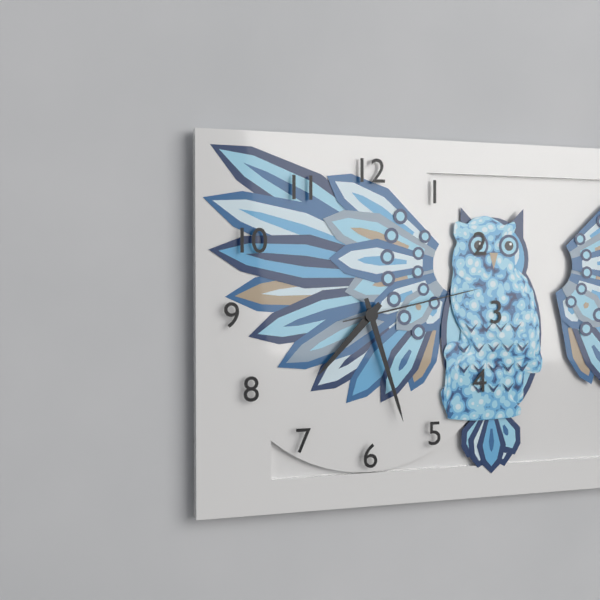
7,27,13
